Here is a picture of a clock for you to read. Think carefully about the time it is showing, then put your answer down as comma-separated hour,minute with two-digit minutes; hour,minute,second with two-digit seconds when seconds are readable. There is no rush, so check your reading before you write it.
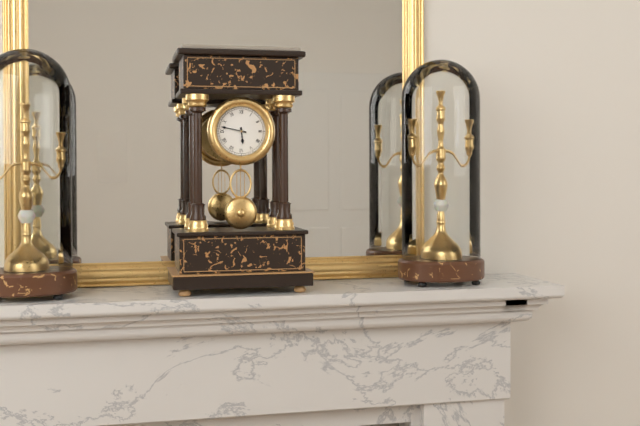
5,47
